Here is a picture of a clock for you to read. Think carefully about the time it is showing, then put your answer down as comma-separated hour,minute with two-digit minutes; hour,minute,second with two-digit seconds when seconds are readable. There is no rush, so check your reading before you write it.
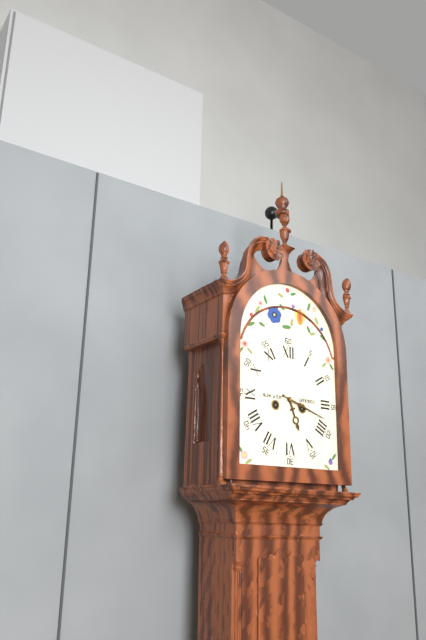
5,18
